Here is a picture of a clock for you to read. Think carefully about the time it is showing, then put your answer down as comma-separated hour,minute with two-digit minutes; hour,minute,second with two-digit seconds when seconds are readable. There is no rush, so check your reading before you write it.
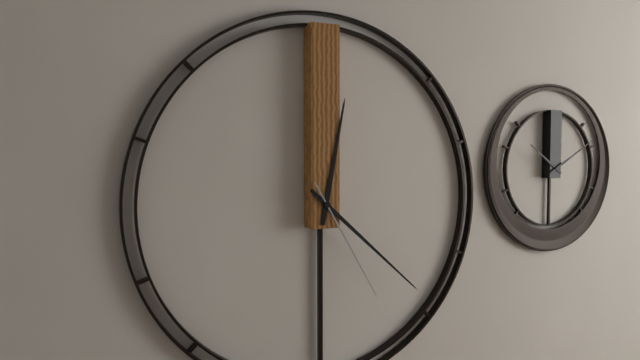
12,22,25
